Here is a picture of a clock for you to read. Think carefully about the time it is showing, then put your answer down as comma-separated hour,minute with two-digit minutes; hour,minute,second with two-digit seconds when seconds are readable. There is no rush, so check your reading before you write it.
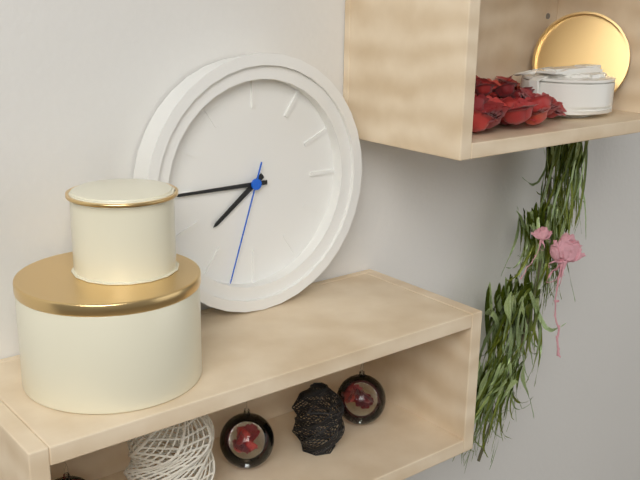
7,45,33
